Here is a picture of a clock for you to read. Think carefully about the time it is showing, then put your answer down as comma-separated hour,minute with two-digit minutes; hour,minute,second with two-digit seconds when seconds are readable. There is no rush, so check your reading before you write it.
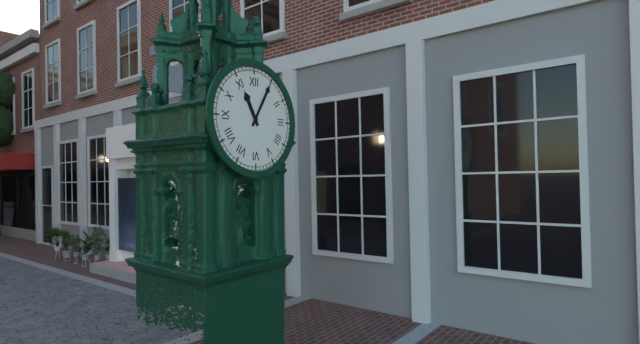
11,05
